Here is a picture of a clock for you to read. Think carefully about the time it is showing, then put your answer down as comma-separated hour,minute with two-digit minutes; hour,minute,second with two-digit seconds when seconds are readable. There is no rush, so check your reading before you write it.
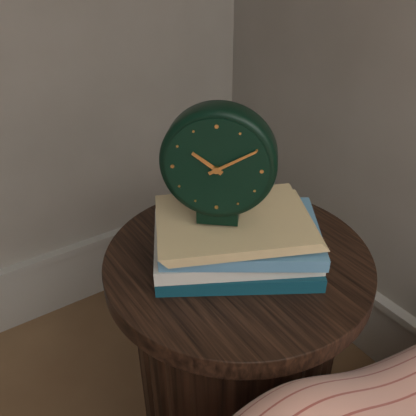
10,10
